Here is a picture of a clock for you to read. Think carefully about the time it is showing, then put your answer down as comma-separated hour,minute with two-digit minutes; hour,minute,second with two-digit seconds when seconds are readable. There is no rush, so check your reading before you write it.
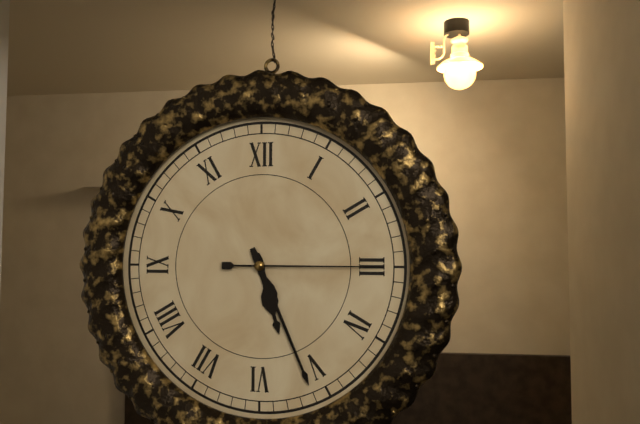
5,26,15
